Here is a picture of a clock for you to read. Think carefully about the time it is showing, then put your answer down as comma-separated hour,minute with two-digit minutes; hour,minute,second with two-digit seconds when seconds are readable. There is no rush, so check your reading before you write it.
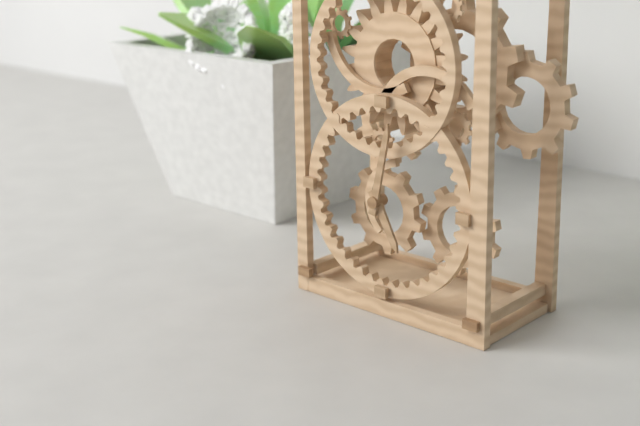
5,02
